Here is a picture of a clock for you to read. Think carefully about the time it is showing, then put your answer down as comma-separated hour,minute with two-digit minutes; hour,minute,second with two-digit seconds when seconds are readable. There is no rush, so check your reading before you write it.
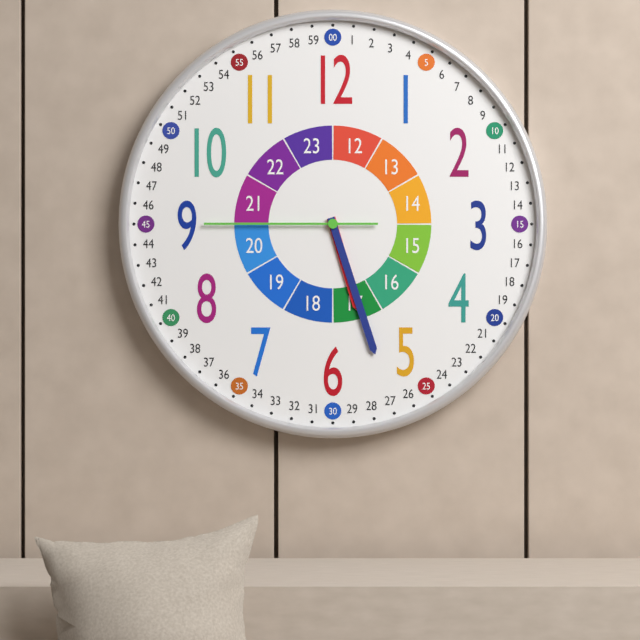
5,27,45
